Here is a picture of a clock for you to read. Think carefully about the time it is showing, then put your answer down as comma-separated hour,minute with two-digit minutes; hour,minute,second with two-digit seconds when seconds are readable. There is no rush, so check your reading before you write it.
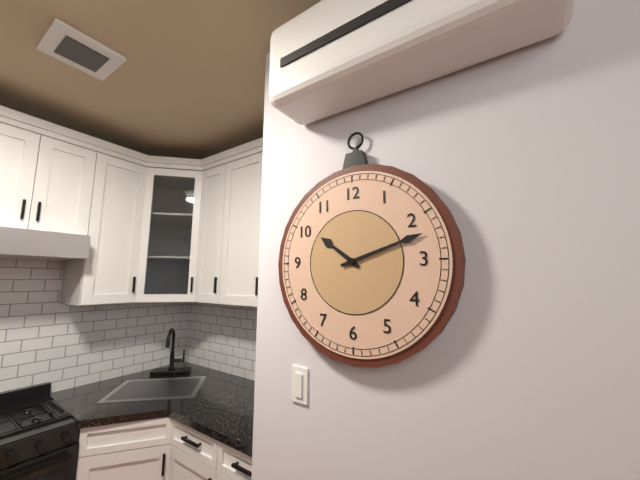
10,12
